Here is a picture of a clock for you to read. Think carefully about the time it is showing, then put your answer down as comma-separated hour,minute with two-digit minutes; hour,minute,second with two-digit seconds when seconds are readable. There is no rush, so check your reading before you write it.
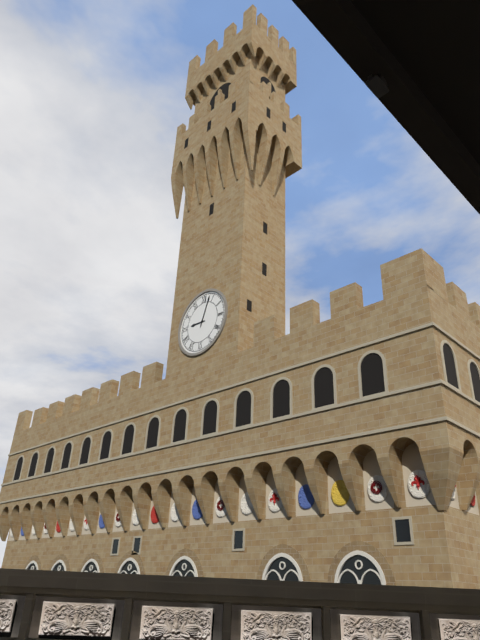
9,03
